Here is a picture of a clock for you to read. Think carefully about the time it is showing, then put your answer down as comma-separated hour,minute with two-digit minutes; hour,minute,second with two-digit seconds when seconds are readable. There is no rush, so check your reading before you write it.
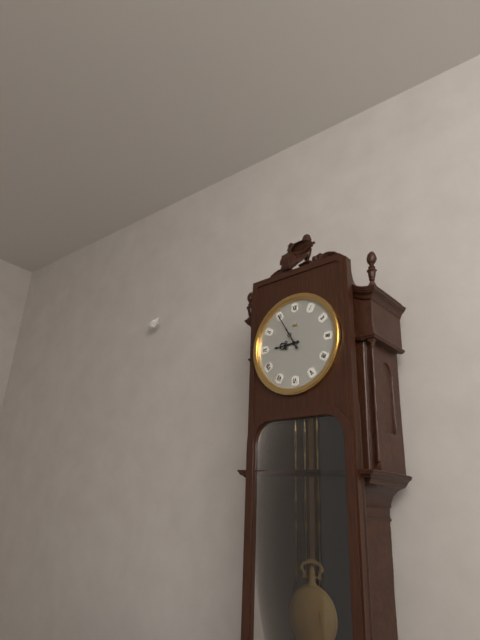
8,55
